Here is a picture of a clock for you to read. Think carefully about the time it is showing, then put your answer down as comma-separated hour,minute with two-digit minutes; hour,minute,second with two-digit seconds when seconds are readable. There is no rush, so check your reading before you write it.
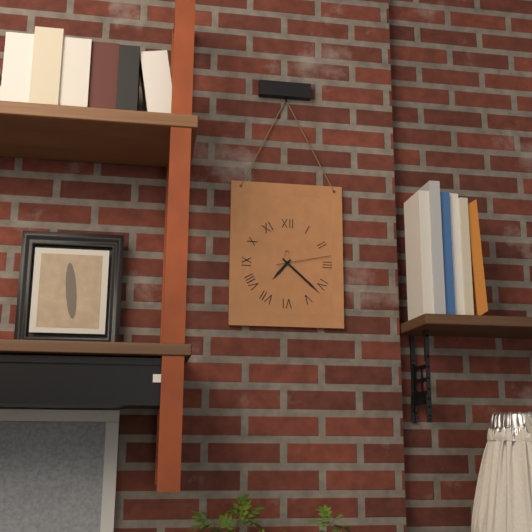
7,22,13
